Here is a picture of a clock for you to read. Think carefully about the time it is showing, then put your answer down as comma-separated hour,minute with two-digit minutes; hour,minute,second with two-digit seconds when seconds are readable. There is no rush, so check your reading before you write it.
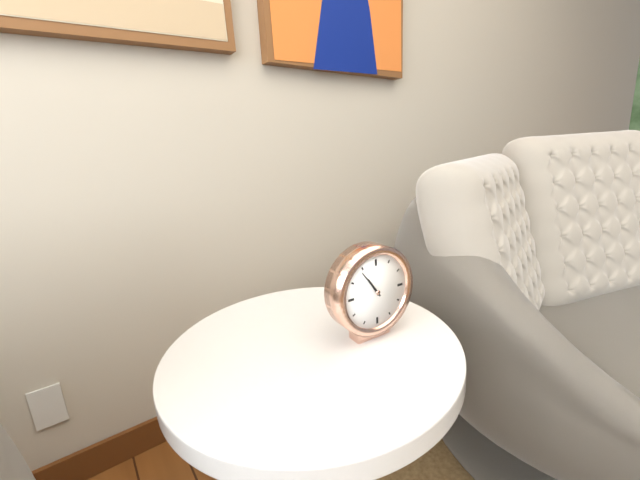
10,54
